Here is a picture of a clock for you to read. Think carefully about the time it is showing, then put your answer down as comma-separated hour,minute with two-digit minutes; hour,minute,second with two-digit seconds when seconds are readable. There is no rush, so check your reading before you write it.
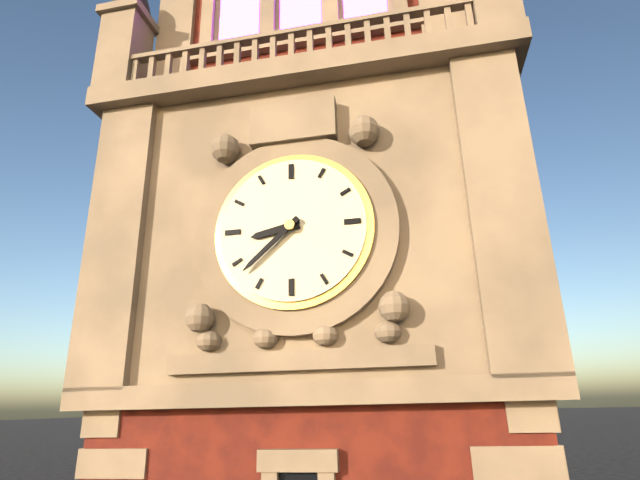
8,38
